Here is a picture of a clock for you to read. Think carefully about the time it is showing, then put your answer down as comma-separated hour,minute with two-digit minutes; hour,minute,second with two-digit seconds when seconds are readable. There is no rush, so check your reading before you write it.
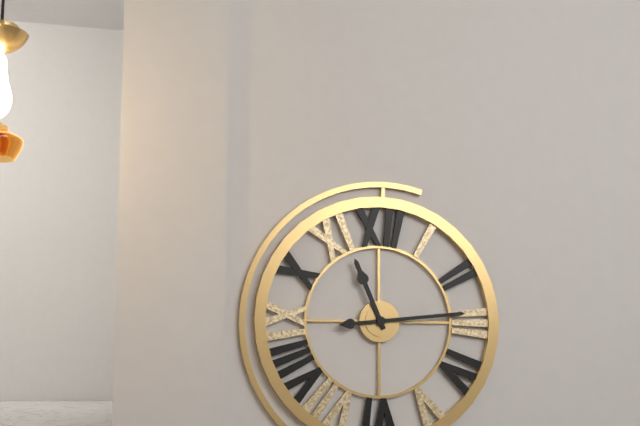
11,14
